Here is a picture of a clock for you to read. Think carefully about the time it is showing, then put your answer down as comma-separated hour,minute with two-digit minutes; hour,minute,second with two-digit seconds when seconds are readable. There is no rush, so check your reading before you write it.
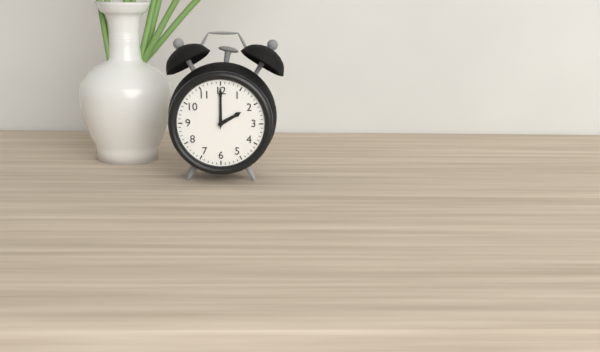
2,00
